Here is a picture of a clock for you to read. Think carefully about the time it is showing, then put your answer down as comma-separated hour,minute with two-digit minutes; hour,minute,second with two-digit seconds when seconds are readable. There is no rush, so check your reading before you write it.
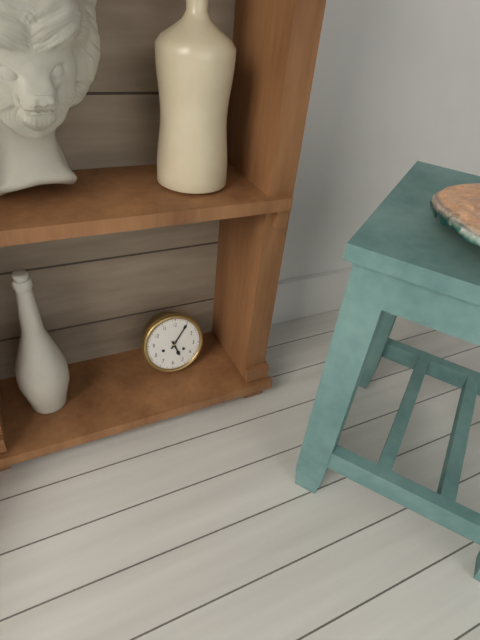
5,05
